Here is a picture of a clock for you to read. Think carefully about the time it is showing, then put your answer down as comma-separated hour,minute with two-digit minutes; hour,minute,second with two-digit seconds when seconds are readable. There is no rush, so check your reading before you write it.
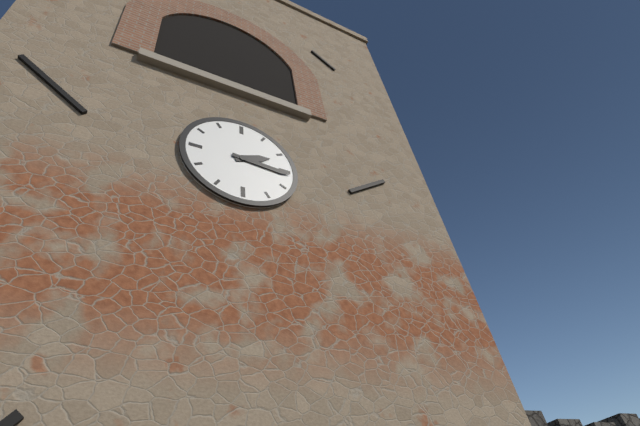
2,16
